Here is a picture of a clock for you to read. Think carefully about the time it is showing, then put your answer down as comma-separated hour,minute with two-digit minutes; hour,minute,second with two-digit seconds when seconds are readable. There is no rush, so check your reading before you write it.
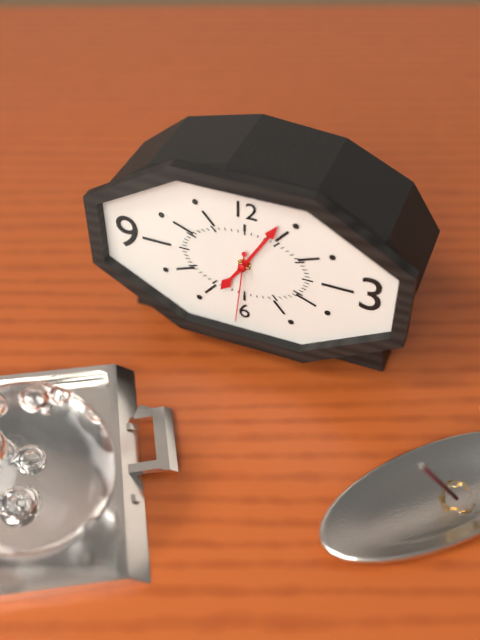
7,05,31
